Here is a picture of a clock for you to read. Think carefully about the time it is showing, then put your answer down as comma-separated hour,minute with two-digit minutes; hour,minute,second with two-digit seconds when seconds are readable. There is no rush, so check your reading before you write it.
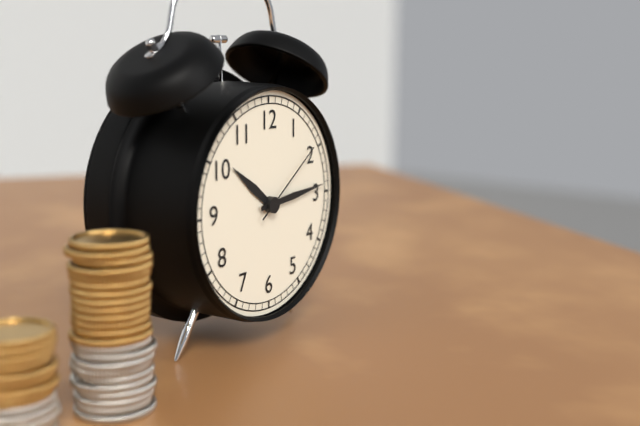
10,14,09
